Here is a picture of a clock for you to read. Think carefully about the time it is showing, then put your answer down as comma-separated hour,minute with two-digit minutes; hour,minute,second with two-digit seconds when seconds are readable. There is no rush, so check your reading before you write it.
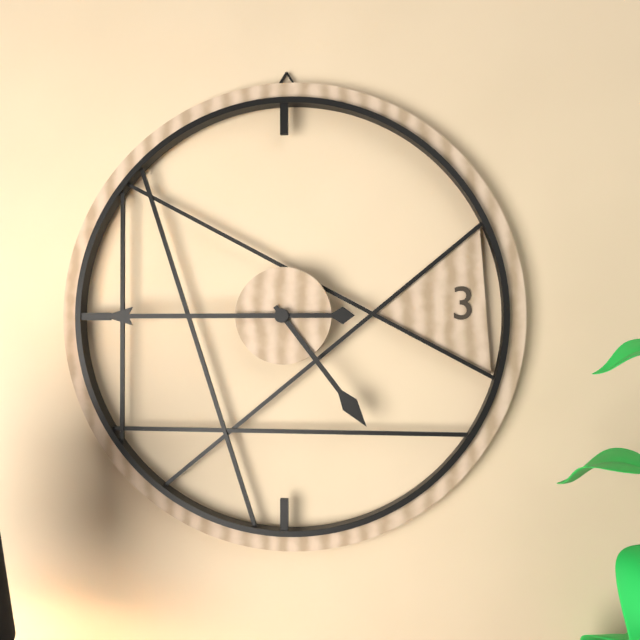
4,45
